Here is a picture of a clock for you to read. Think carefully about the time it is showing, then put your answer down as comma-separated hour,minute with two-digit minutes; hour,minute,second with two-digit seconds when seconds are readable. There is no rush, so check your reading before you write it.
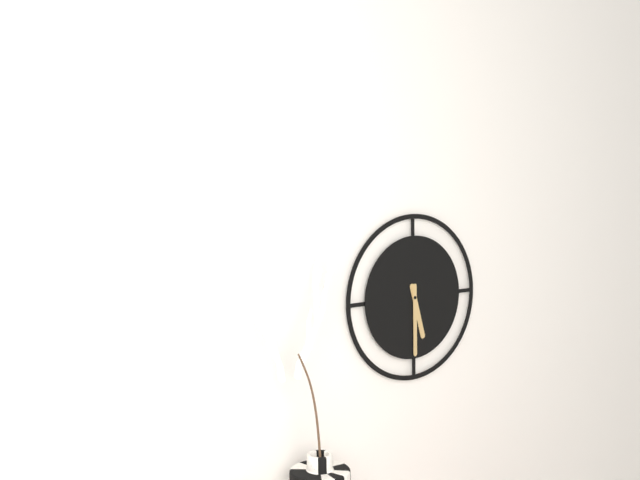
5,30
